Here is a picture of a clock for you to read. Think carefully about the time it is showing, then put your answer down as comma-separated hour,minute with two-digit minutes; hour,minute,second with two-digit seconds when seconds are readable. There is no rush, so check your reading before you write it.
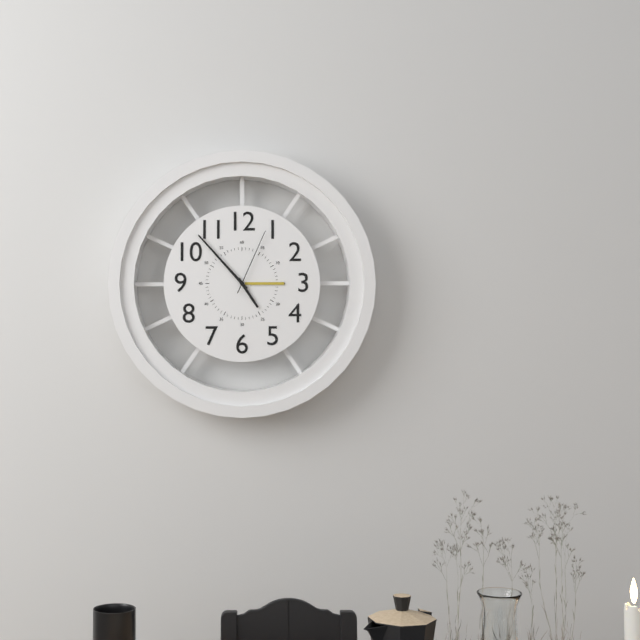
4,53,04
